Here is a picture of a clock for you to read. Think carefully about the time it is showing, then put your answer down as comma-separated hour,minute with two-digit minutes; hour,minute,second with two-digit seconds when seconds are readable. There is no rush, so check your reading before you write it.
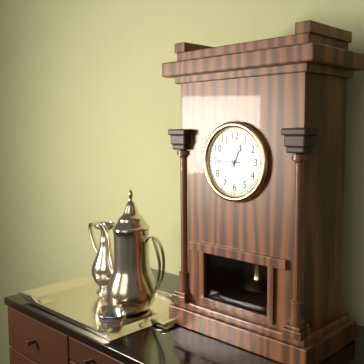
12,45
